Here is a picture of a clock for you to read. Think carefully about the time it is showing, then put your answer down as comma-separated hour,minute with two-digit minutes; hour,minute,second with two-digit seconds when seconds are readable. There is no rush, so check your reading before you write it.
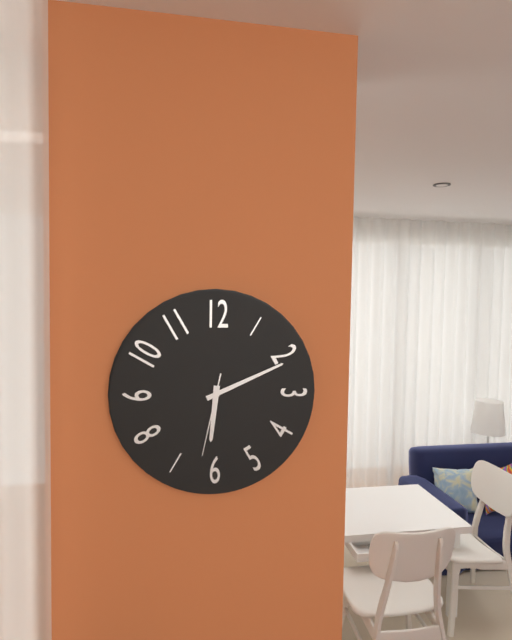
6,11,32
